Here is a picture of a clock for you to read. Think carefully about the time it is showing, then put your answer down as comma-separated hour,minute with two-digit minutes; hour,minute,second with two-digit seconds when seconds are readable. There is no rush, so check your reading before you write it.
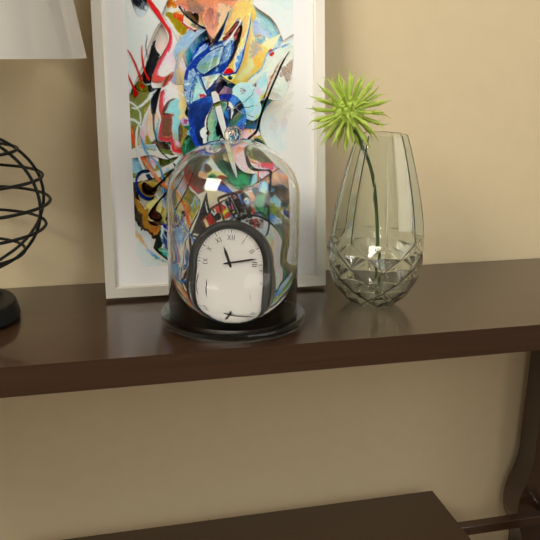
11,13
